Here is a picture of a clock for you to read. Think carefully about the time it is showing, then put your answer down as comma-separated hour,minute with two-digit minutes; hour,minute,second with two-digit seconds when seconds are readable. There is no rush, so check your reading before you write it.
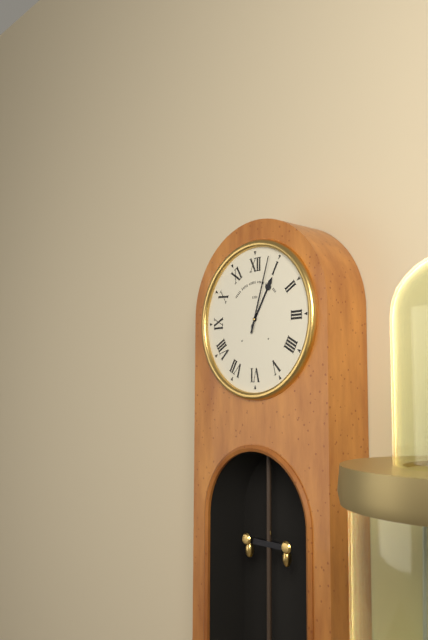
1,03
